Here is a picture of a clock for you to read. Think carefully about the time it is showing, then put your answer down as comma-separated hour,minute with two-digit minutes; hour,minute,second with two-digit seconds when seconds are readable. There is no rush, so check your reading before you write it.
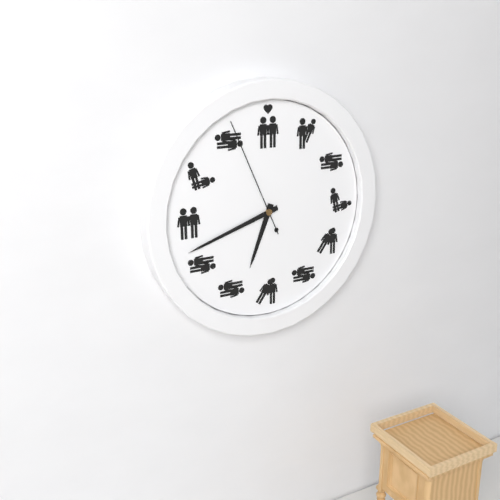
6,42,56
